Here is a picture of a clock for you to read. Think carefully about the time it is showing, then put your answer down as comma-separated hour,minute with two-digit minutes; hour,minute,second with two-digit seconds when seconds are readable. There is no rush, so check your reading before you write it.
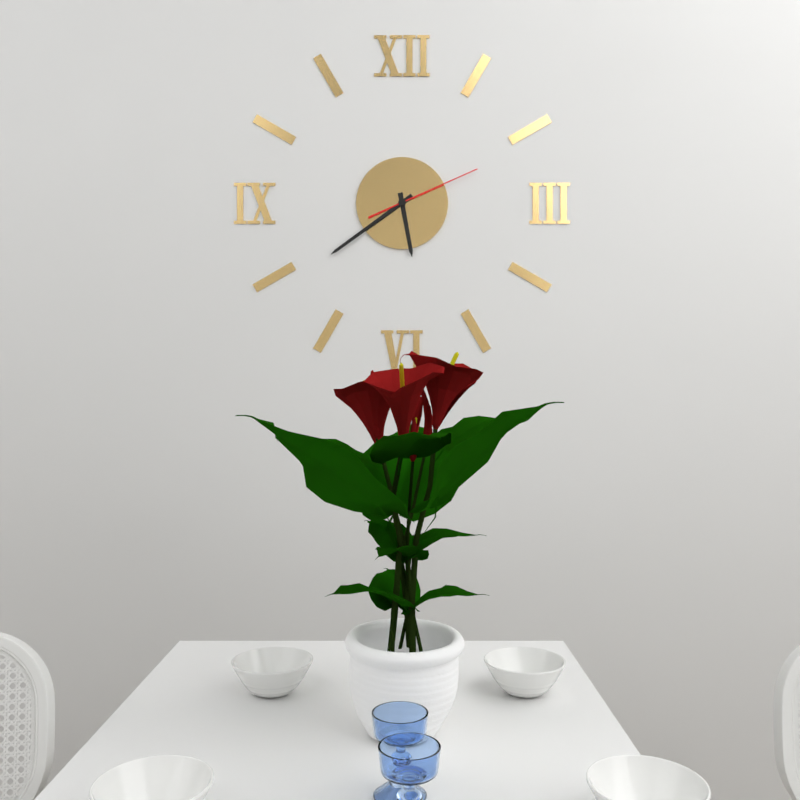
5,39,11
